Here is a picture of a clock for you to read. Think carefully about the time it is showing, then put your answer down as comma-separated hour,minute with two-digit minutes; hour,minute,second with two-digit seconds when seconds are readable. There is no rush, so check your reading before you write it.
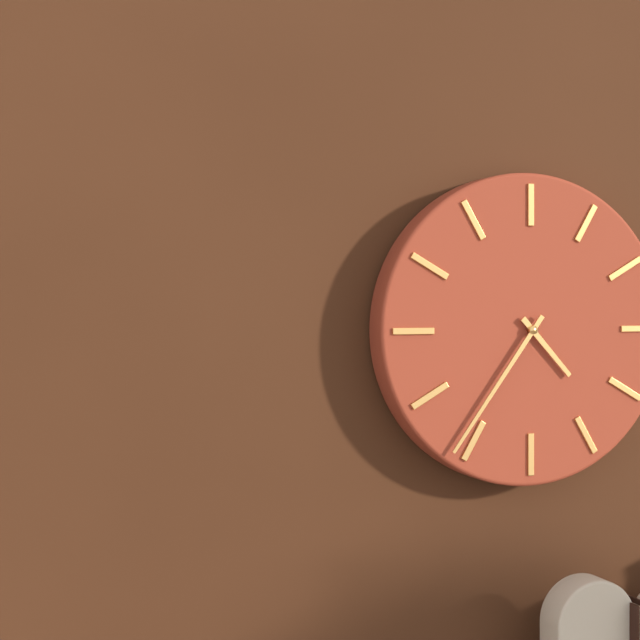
4,36
